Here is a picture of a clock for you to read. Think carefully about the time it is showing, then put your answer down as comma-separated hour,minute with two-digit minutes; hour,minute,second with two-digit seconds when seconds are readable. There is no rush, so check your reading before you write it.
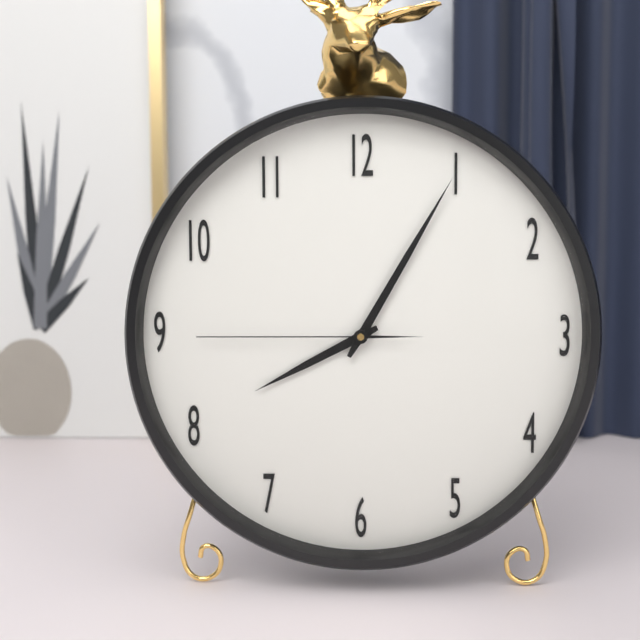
8,05,45
